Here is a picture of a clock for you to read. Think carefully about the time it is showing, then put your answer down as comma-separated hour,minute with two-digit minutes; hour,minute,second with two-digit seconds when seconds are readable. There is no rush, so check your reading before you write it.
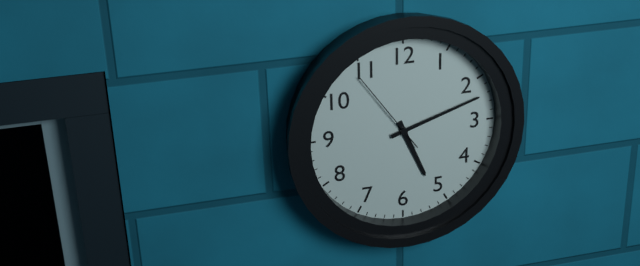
5,12,54
